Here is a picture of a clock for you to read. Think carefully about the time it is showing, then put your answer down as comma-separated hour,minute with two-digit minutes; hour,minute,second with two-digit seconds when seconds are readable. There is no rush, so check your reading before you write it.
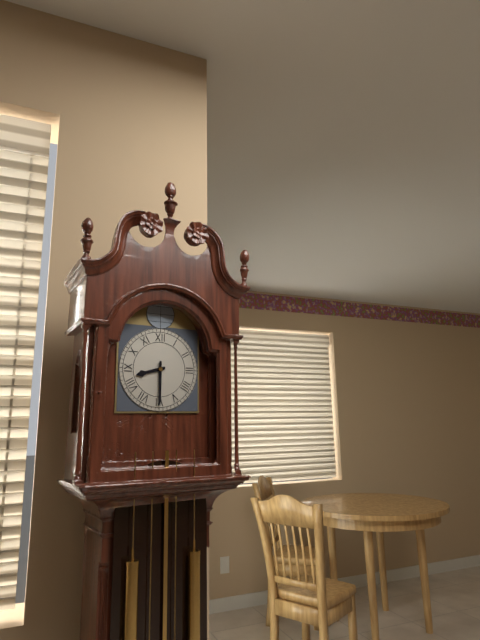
8,30
